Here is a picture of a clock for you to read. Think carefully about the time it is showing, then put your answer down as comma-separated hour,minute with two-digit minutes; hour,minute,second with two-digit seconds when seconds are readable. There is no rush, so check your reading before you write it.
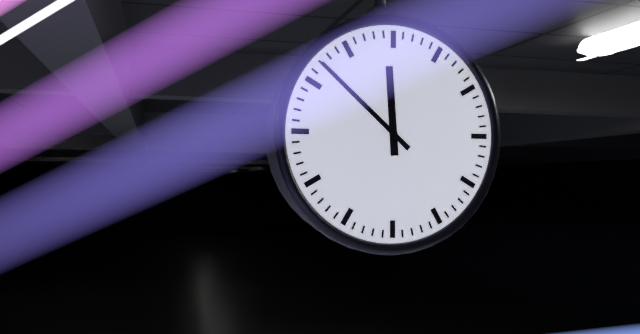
11,52
